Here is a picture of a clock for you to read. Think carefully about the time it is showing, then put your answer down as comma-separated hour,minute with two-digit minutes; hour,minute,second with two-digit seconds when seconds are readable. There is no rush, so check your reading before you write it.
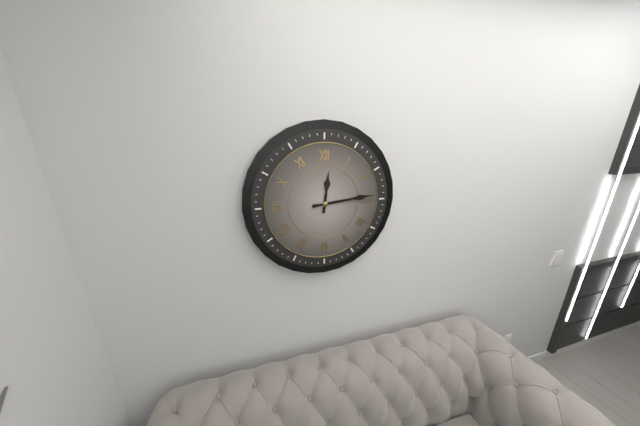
12,14
